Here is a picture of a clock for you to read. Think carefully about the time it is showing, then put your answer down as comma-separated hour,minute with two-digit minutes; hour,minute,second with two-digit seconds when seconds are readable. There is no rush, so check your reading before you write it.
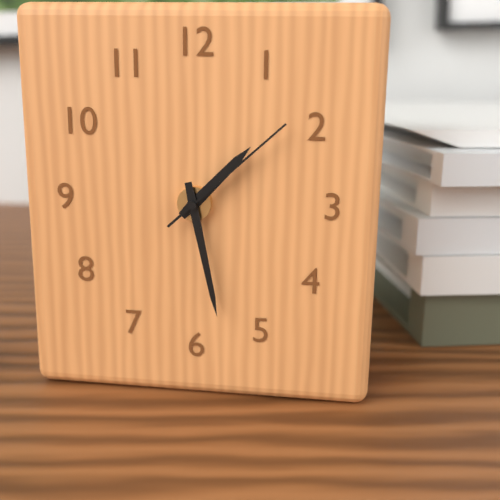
1,28,08
